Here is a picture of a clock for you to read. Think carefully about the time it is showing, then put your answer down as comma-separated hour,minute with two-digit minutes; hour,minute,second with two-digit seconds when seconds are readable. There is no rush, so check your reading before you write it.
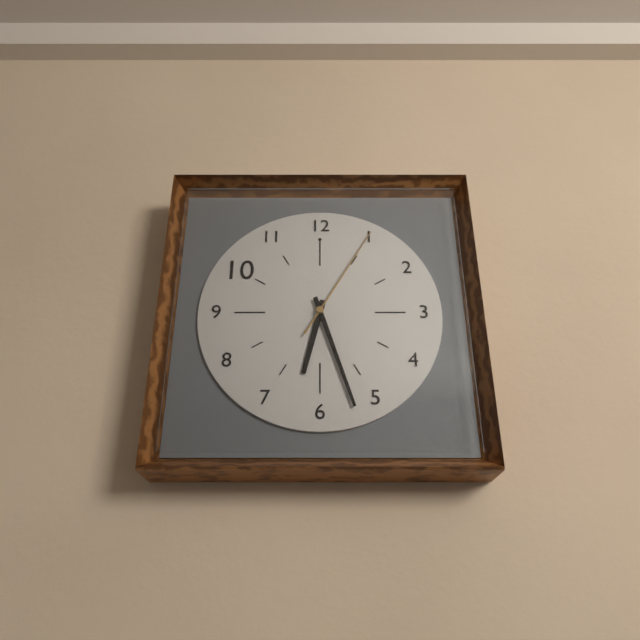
6,27,05
